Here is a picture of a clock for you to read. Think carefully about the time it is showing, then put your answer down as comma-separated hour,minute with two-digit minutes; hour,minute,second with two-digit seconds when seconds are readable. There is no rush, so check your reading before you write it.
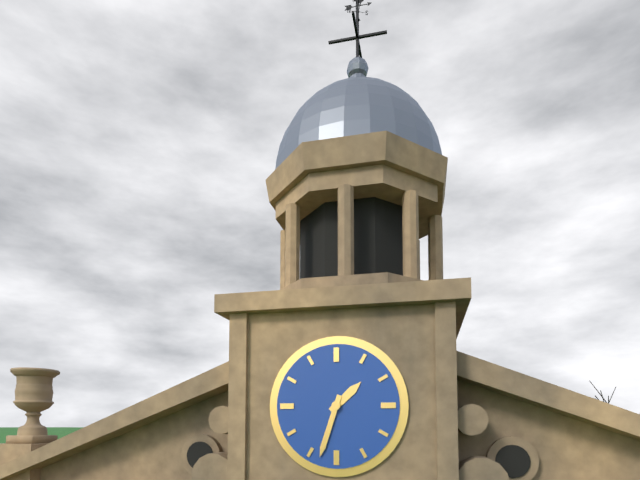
1,33
